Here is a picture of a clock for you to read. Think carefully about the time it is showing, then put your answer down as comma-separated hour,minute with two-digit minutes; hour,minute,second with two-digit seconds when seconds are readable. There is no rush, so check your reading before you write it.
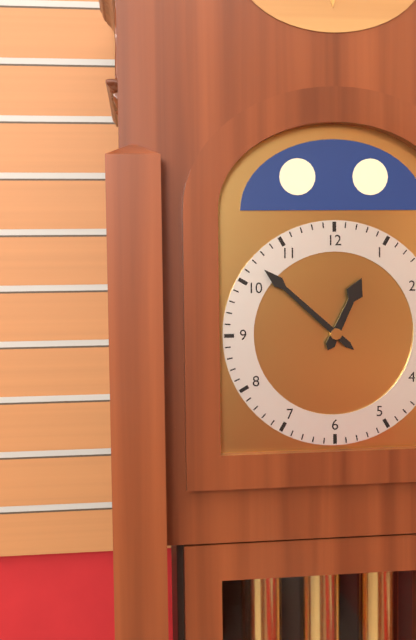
12,52
